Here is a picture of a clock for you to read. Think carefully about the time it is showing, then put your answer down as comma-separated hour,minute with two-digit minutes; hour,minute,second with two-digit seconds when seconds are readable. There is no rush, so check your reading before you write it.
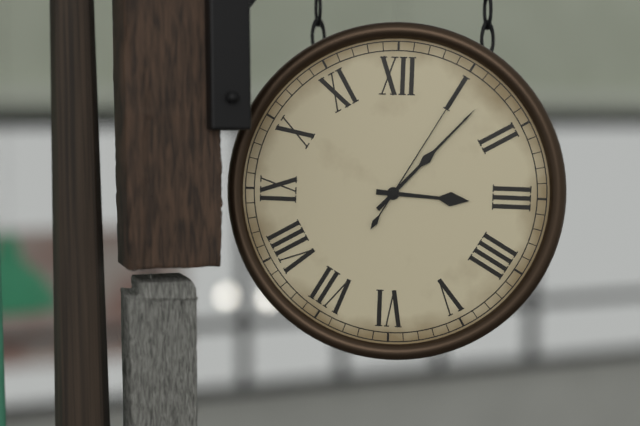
3,07,05
